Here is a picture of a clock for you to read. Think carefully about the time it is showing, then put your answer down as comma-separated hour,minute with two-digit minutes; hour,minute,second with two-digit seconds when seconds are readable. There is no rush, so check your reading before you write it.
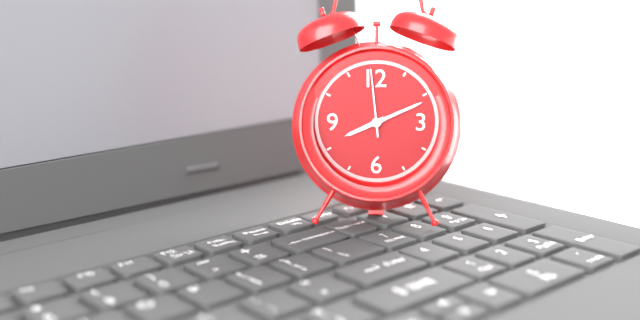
8,11,59
